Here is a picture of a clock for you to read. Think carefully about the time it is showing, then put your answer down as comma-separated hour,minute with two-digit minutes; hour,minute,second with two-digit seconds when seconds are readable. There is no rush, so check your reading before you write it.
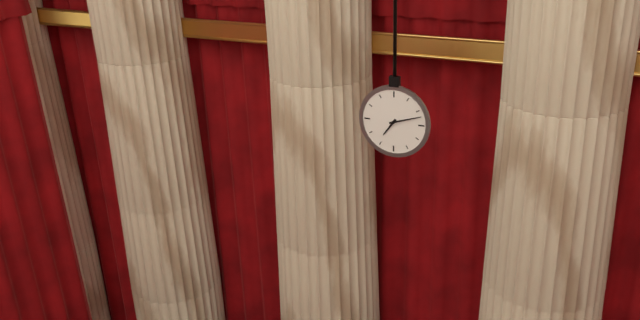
7,12
